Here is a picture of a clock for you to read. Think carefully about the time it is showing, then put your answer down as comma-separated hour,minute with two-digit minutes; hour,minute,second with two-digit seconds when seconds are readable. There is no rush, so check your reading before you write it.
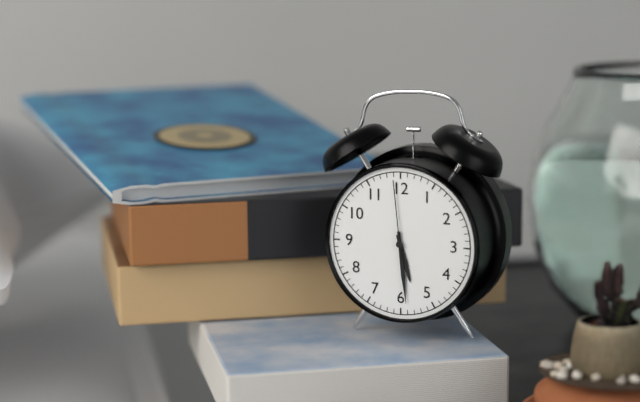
5,29,59
